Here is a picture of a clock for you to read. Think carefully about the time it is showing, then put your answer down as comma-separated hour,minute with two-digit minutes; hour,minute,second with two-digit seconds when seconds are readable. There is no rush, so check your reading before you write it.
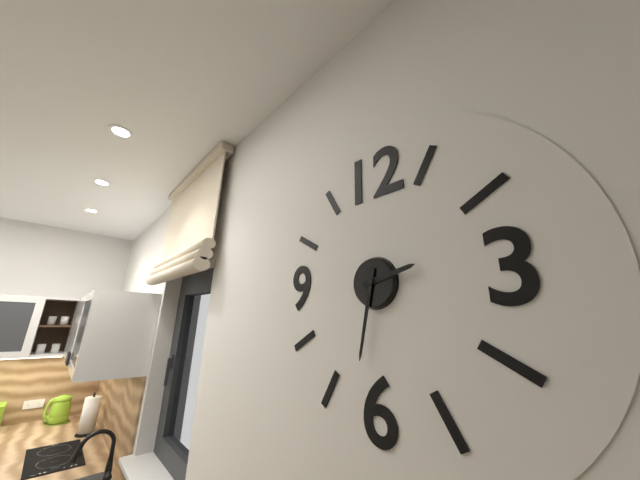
2,32
